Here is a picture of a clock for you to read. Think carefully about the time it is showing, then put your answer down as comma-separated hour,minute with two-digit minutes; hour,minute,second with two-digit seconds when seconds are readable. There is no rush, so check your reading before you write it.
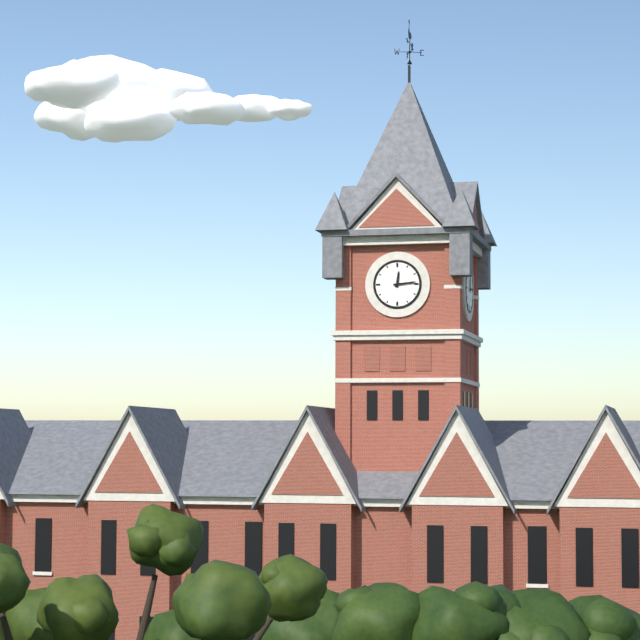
12,14
